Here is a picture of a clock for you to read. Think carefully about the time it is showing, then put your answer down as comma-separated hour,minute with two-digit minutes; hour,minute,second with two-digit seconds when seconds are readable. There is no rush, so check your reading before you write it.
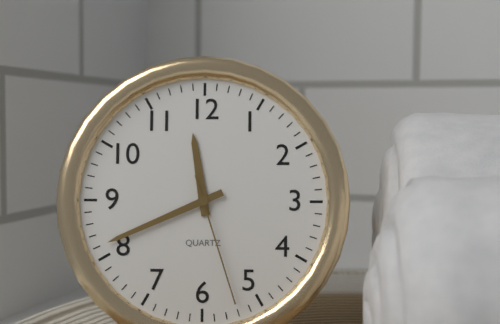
11,41,27
